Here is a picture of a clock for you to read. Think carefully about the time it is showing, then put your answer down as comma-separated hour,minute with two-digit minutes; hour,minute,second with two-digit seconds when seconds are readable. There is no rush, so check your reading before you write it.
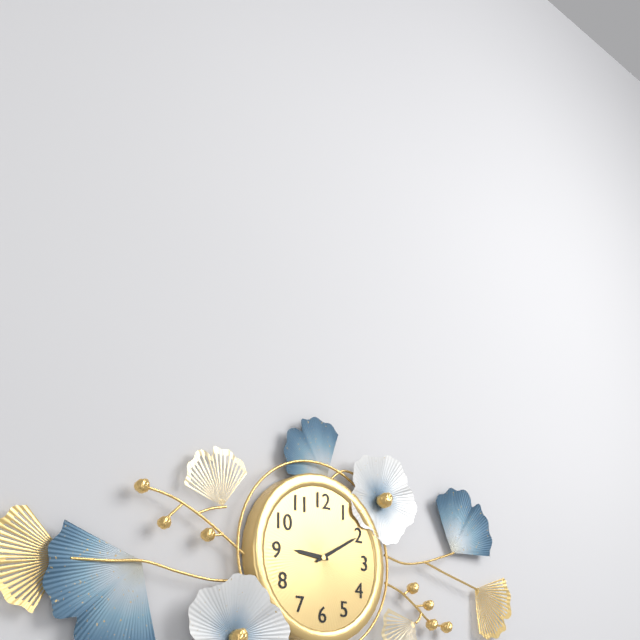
9,10
